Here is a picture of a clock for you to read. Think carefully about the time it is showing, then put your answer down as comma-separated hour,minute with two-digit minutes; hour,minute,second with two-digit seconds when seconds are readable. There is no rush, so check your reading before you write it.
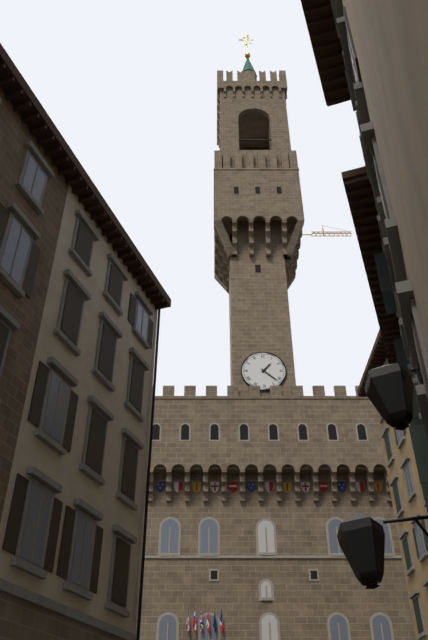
1,22
